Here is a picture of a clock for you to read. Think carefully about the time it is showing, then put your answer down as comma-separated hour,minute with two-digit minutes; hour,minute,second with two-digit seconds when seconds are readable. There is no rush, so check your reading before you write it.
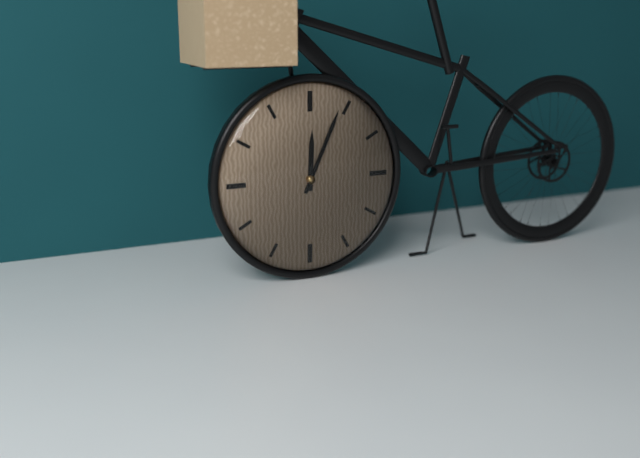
12,04
